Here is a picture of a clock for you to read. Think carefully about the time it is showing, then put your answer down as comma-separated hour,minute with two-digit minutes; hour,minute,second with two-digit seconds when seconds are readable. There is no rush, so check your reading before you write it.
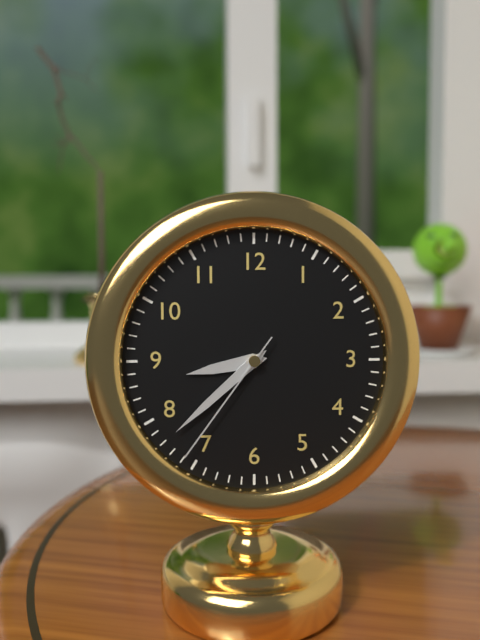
8,38,36
